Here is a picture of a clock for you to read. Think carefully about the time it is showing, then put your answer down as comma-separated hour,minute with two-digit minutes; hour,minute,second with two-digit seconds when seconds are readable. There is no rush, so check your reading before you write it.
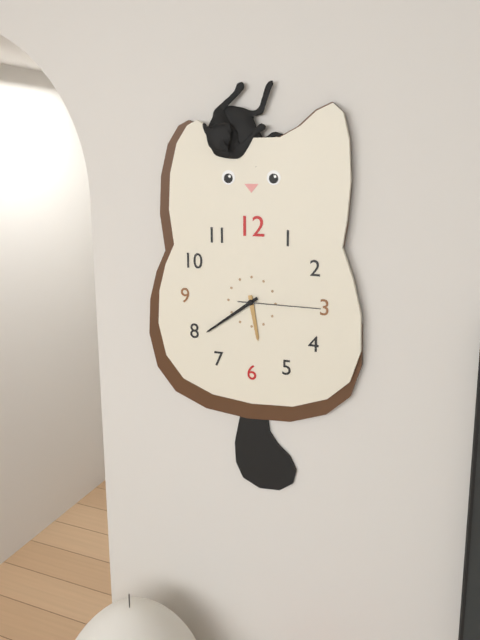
5,39,15
